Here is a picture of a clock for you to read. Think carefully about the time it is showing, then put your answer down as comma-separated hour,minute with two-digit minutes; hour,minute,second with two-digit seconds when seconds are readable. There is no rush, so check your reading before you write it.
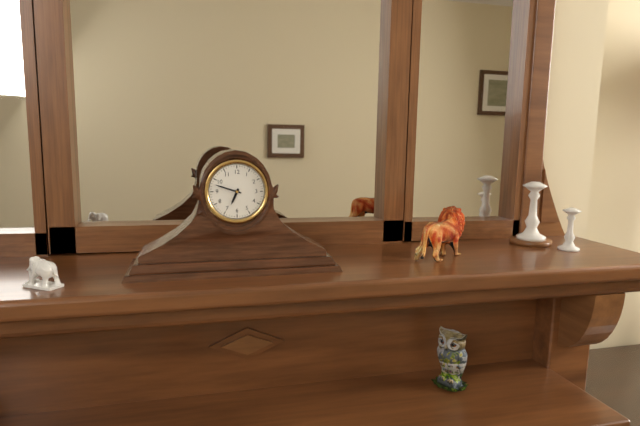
6,48
